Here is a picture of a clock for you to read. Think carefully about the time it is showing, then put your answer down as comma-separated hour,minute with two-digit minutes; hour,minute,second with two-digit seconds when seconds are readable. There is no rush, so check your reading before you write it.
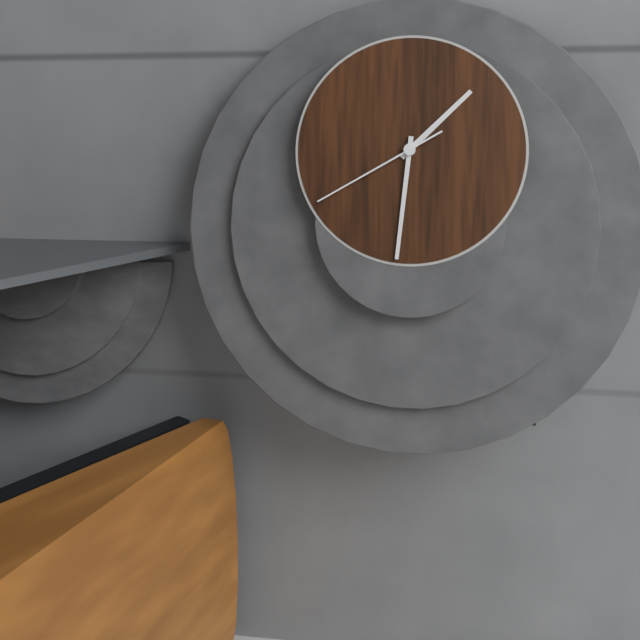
1,31,40
